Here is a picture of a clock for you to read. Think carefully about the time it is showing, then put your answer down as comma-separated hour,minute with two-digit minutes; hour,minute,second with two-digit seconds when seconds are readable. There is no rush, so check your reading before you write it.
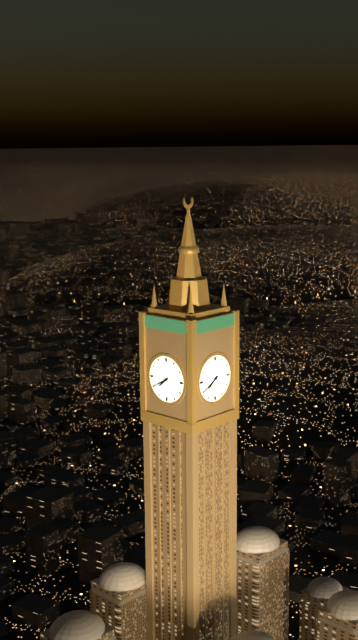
7,40
